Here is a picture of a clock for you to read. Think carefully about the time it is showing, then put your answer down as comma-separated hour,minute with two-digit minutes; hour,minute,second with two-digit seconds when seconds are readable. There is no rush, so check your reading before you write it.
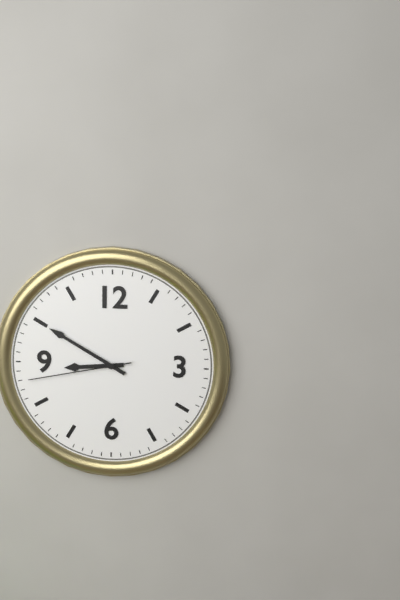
8,50,43
